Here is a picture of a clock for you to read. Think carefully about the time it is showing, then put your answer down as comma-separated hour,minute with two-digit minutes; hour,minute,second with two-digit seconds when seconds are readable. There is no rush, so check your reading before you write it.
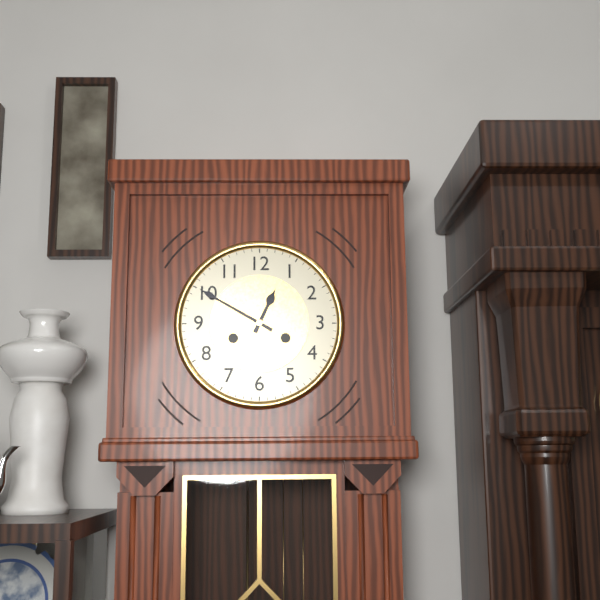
12,50
